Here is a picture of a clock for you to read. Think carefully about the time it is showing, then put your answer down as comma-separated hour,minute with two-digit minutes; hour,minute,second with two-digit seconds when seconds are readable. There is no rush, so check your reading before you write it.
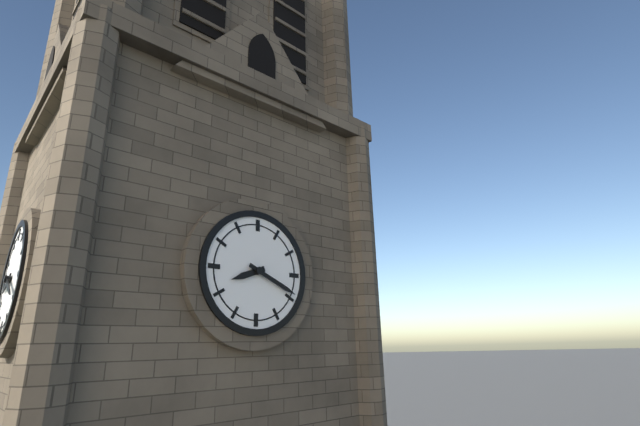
8,19
